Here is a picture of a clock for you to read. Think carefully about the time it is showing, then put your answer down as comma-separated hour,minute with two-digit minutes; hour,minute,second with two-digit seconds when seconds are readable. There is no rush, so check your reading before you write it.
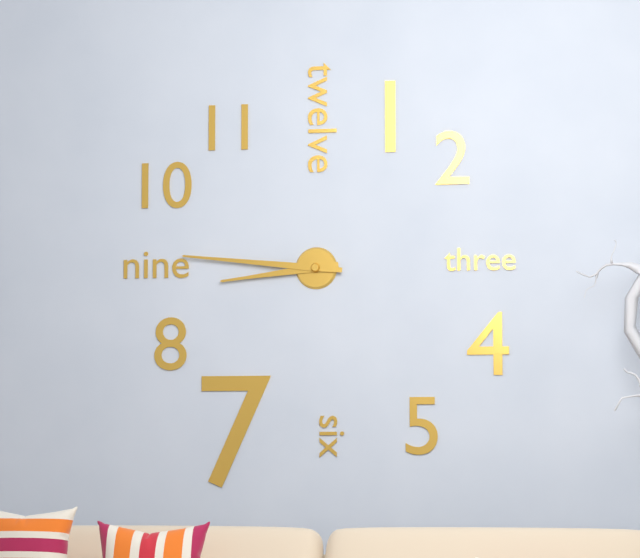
8,46
